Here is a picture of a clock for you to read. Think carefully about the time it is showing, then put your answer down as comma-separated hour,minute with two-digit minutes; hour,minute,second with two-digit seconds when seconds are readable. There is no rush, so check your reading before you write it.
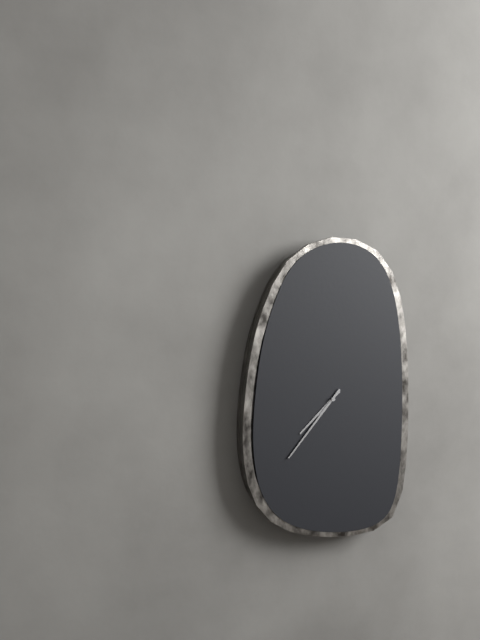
7,37
